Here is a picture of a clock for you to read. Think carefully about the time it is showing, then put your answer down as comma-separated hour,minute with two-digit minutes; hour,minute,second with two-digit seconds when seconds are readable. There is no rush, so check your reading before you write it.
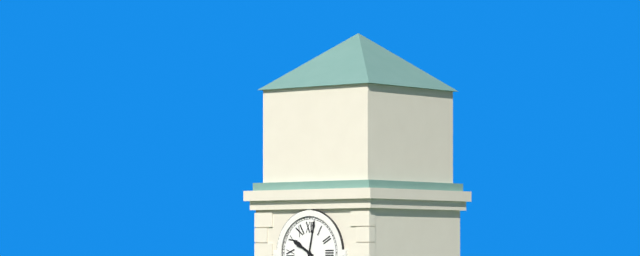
10,02
